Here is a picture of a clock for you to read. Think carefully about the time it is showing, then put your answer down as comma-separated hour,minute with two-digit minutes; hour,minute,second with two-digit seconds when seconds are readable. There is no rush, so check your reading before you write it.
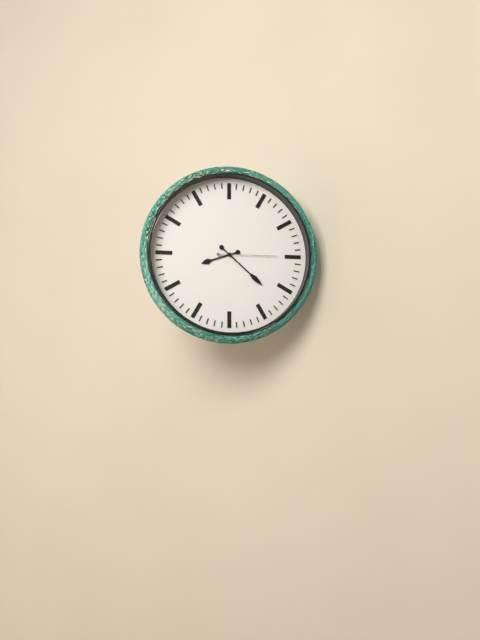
8,22,15
